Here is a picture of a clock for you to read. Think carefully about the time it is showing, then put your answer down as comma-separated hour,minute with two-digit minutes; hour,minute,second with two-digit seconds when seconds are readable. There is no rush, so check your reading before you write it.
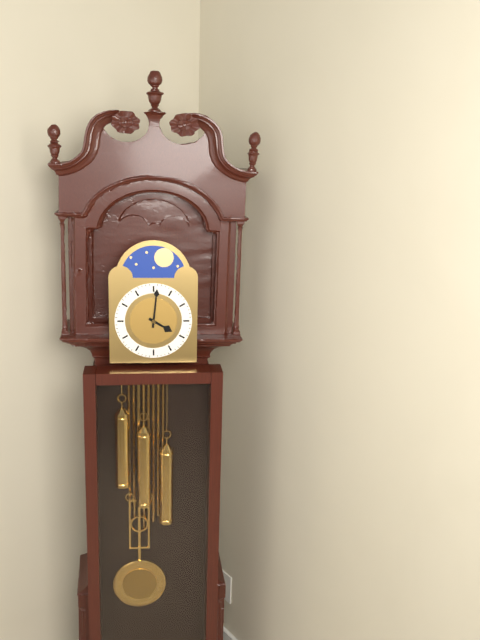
4,01
